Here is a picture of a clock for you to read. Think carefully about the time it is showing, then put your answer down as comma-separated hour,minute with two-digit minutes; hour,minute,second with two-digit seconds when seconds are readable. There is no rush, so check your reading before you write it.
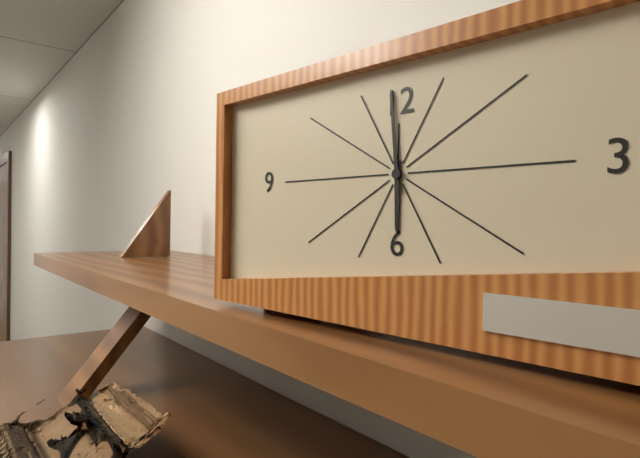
5,59
